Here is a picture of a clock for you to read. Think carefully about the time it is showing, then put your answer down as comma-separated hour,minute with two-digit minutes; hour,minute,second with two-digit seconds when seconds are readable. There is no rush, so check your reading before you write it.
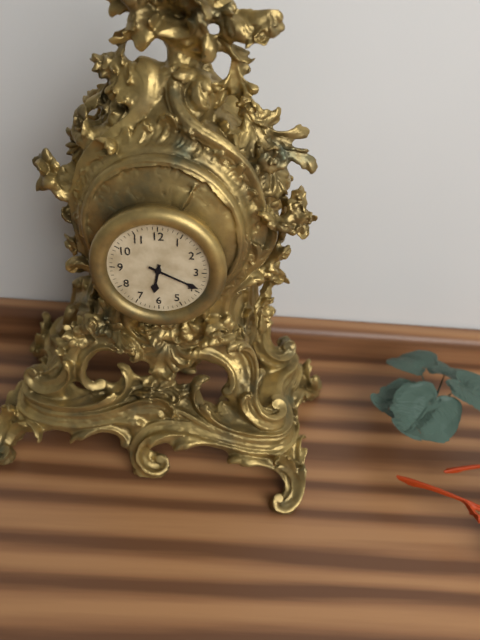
6,19
